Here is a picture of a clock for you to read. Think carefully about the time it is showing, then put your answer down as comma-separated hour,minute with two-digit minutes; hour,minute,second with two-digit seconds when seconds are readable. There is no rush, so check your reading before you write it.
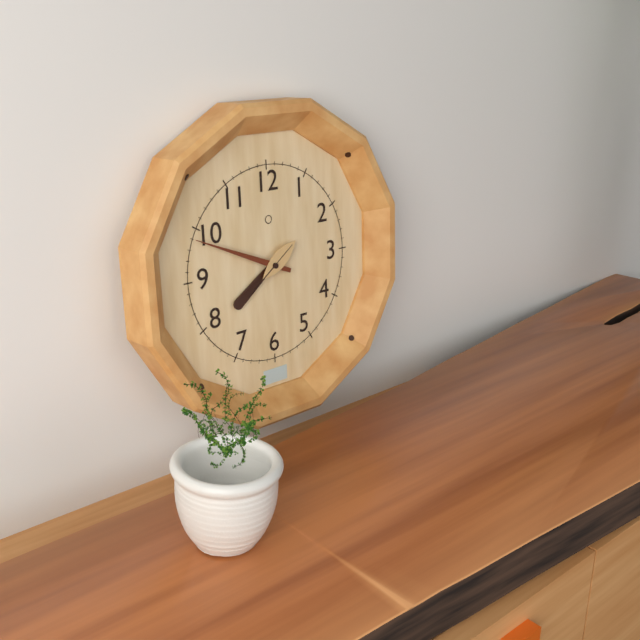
7,49,39
